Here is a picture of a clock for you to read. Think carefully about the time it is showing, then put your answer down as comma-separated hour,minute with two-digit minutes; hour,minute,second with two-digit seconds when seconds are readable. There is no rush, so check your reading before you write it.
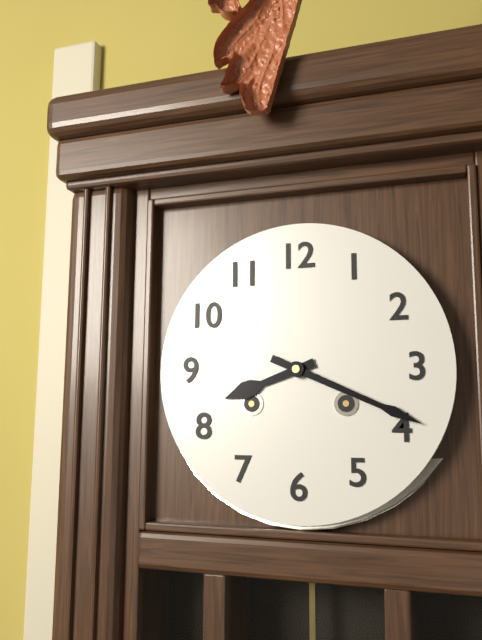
8,19
